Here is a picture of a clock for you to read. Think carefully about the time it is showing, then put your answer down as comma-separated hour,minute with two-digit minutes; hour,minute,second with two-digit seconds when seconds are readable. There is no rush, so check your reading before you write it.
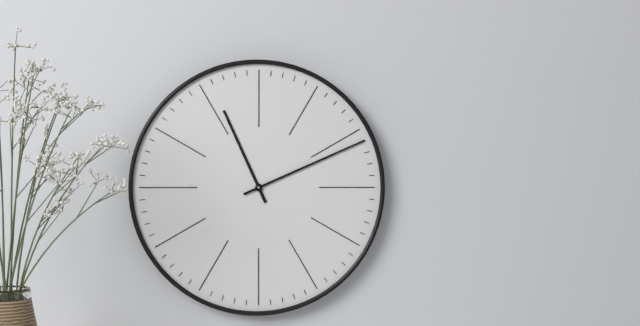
11,11
